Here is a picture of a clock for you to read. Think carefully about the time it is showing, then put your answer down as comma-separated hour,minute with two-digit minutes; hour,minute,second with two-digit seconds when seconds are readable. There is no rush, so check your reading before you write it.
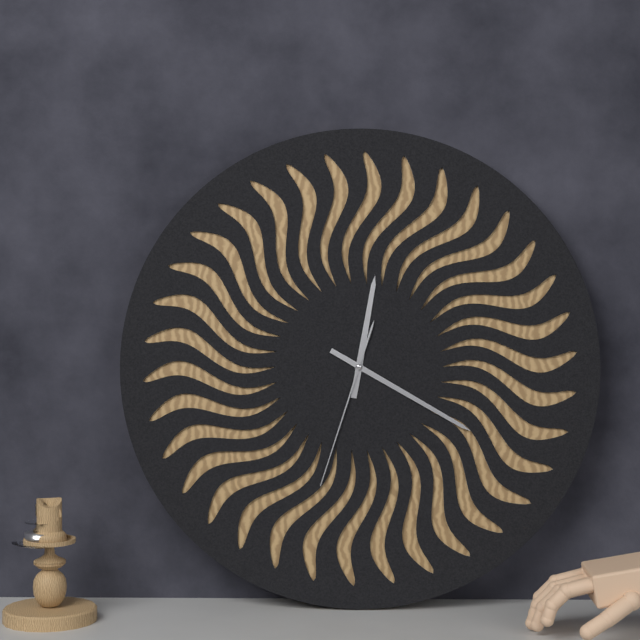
12,20,33
